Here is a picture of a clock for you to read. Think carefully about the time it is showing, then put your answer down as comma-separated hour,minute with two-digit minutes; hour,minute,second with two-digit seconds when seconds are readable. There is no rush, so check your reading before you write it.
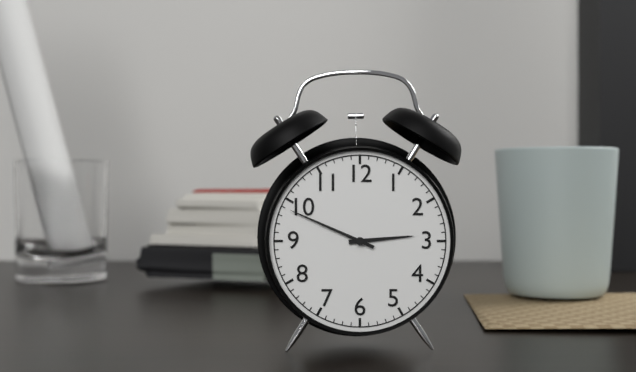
2,49
